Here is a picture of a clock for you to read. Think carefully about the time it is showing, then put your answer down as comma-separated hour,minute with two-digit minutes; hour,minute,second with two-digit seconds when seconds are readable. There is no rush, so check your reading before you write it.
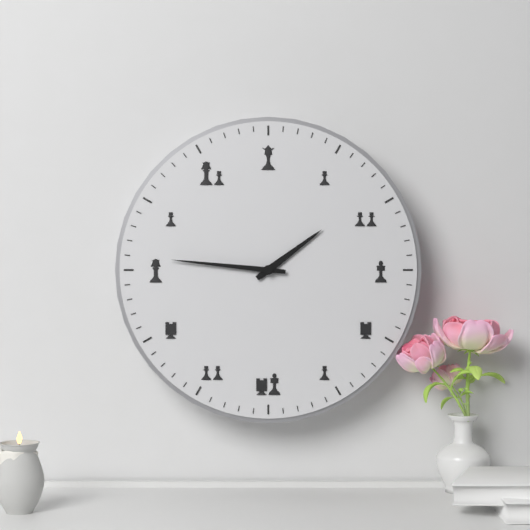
1,46
